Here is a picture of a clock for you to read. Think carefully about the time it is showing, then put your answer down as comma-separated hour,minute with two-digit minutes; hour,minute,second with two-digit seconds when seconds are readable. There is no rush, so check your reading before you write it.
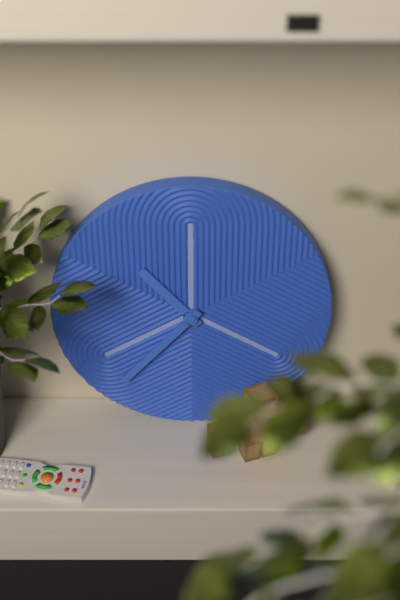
10,37
